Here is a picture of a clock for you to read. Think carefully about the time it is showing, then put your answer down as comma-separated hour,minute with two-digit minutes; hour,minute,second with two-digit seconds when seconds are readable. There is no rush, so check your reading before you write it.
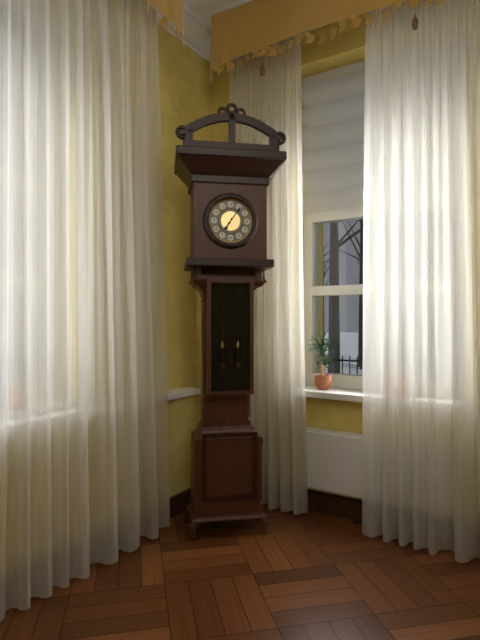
7,06
